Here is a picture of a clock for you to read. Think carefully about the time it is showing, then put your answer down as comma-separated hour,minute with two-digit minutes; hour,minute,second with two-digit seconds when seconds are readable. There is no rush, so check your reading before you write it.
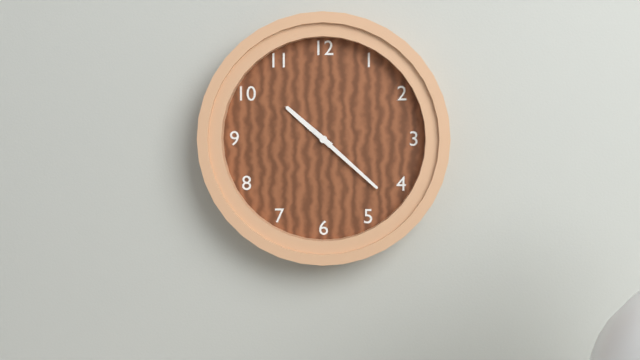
10,22
